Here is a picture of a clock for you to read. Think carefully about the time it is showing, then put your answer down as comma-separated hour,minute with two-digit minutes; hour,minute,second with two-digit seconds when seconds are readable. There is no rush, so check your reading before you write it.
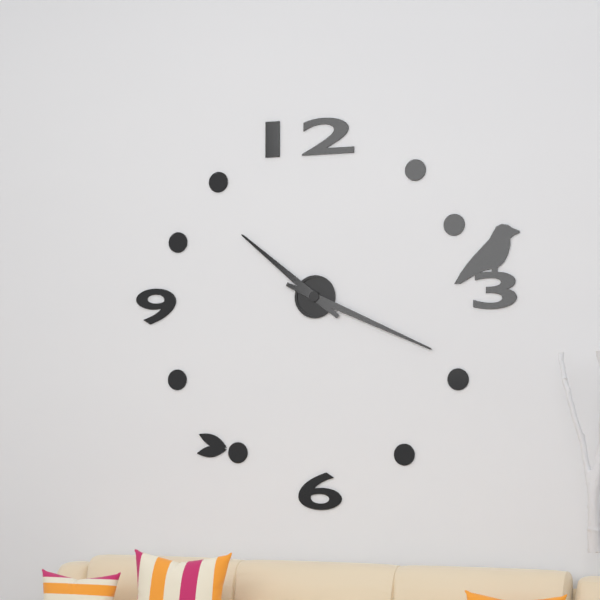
10,19
